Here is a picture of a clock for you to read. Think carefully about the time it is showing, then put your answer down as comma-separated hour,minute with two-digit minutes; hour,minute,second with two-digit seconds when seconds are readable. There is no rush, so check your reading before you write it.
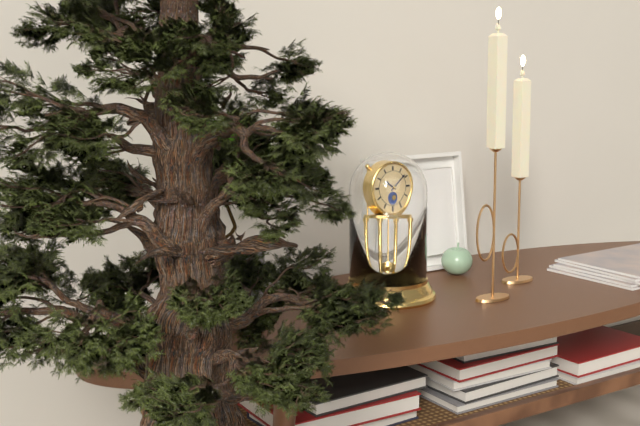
10,08
